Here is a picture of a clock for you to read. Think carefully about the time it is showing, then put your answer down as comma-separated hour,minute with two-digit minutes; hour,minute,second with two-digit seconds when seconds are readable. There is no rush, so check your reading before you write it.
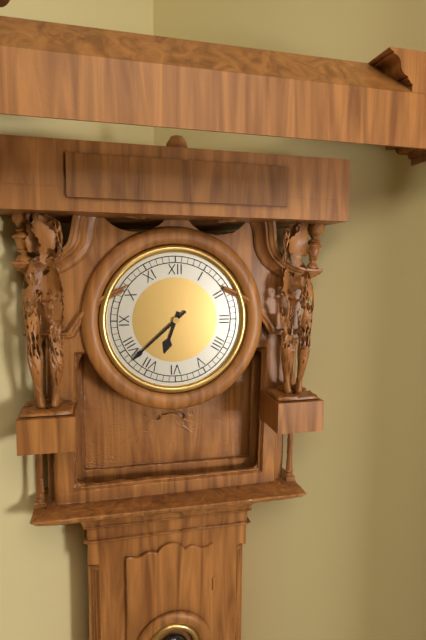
6,38
